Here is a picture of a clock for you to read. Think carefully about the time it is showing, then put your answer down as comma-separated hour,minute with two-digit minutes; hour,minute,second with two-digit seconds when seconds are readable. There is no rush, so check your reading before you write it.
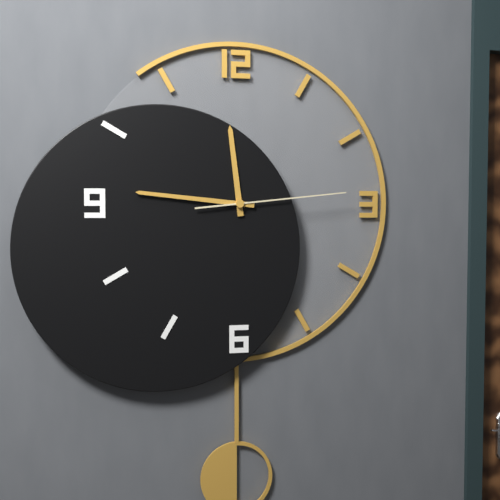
11,46,14
